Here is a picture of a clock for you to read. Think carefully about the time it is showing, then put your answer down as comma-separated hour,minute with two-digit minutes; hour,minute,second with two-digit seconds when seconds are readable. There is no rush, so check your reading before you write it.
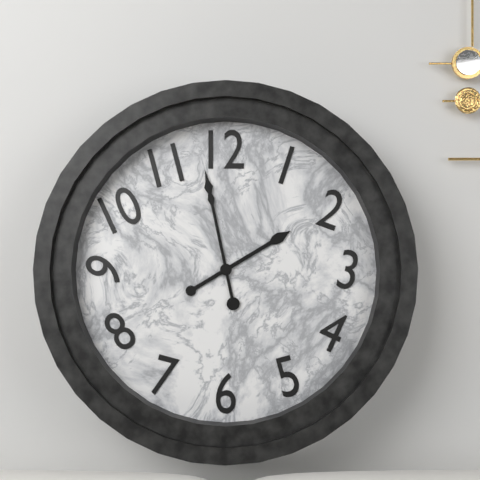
1,58
